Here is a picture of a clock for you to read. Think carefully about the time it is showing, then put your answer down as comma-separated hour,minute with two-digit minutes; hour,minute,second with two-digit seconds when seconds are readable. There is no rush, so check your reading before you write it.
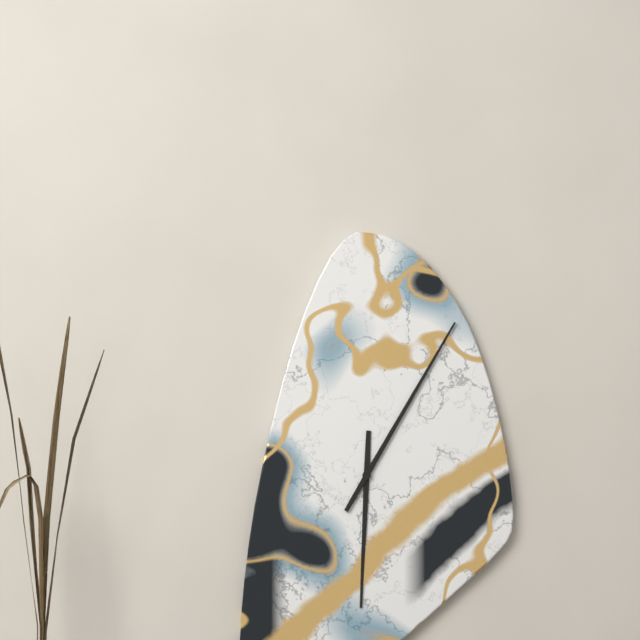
6,05
